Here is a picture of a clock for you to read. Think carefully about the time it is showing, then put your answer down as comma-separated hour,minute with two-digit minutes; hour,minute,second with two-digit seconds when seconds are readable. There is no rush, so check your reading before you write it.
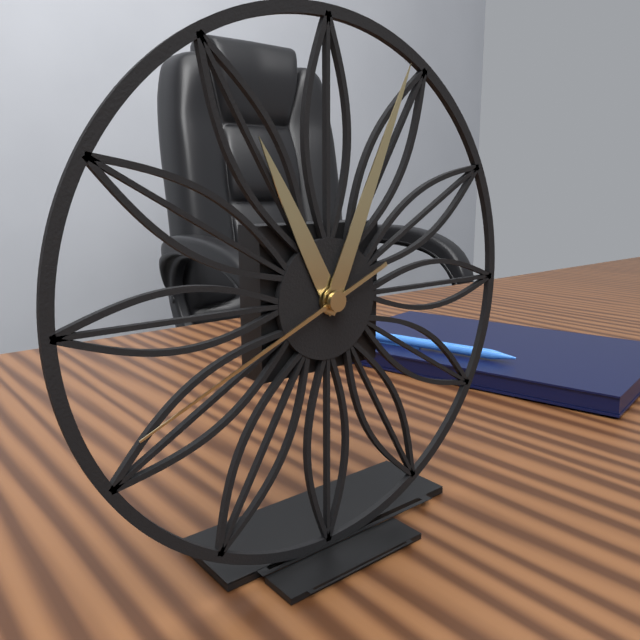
11,04,41
